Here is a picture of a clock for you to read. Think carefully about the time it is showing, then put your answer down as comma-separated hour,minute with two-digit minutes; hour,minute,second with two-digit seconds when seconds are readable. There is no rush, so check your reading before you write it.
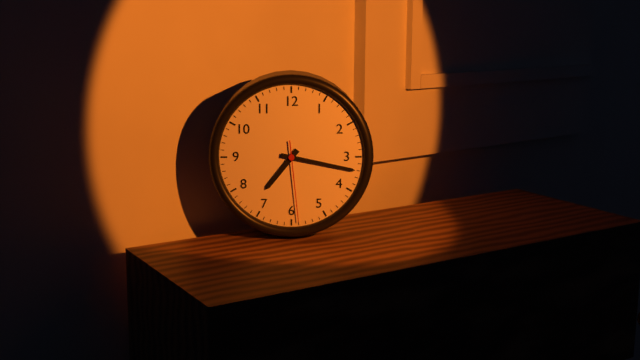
7,17,29
